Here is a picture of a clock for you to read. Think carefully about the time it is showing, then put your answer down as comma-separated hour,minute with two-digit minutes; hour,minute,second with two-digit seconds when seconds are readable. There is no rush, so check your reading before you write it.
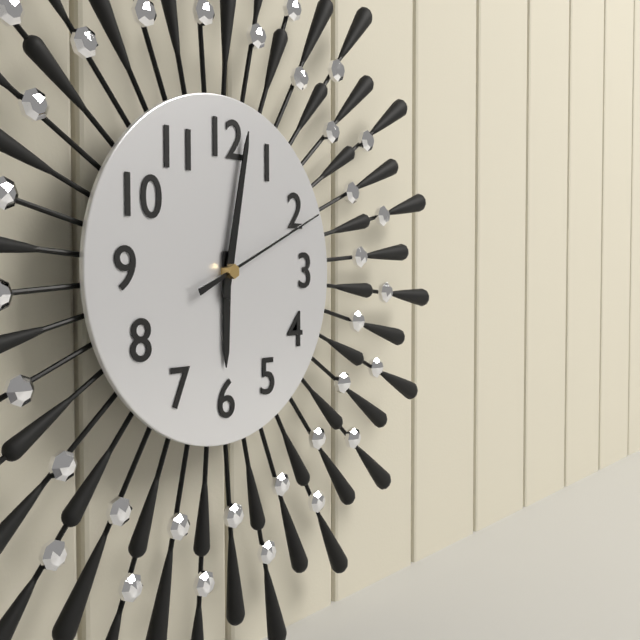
6,02,11
